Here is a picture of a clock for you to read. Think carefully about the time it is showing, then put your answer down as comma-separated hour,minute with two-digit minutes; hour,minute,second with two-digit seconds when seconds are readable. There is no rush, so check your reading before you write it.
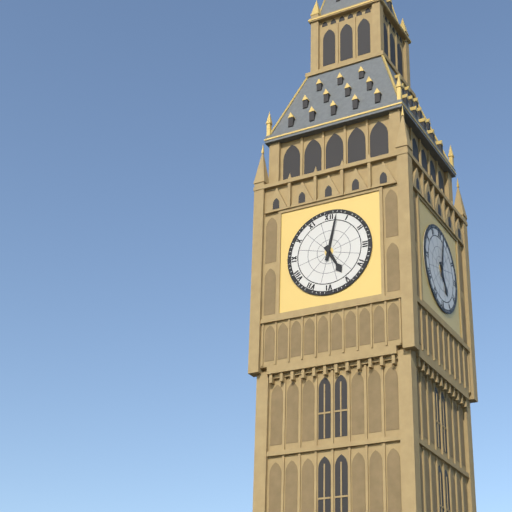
5,02
